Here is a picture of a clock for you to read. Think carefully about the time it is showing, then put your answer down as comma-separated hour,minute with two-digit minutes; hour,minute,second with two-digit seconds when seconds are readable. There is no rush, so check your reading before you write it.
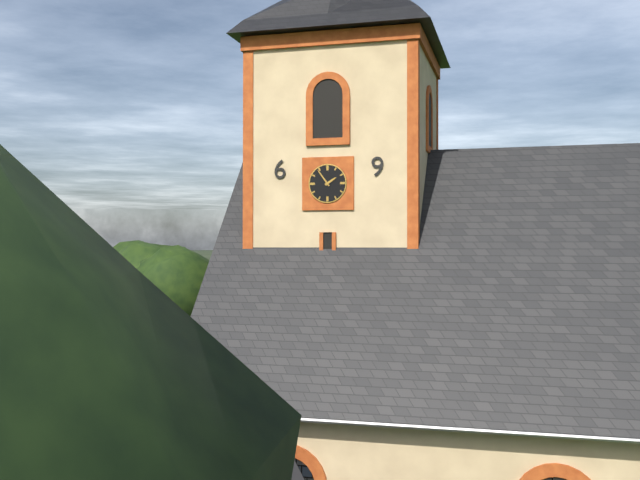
1,54
